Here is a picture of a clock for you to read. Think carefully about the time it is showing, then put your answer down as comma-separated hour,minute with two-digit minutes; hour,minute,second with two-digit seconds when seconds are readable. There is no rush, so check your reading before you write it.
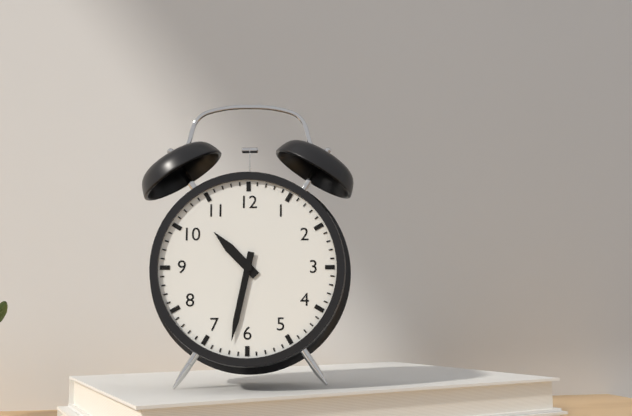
10,32
